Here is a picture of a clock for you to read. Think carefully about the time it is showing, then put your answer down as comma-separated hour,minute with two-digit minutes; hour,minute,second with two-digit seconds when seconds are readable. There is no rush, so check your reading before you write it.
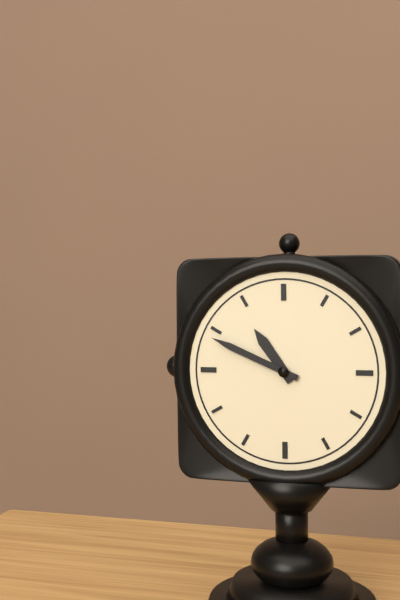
10,49
